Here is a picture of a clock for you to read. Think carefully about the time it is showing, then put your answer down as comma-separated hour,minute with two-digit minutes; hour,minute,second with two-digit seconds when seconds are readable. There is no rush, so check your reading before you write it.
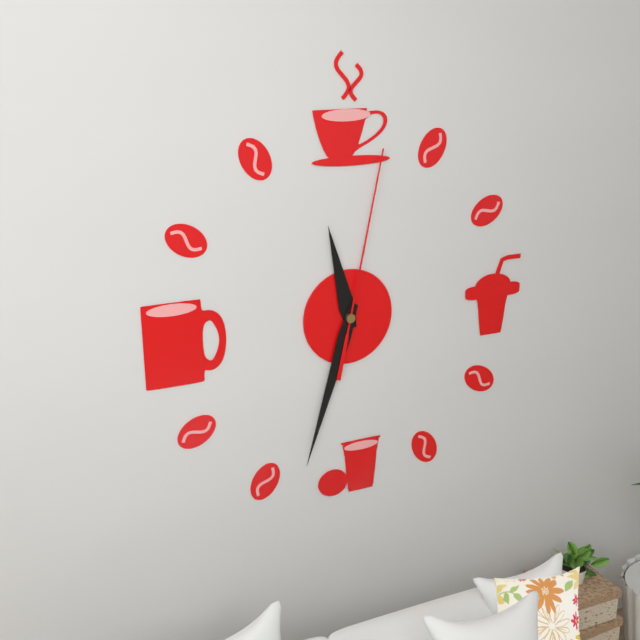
11,33,02
